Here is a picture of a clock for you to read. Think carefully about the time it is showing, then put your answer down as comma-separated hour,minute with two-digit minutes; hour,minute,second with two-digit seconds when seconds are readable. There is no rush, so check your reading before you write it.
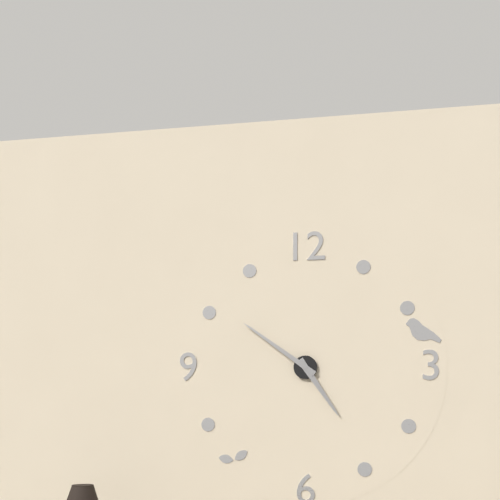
4,51
